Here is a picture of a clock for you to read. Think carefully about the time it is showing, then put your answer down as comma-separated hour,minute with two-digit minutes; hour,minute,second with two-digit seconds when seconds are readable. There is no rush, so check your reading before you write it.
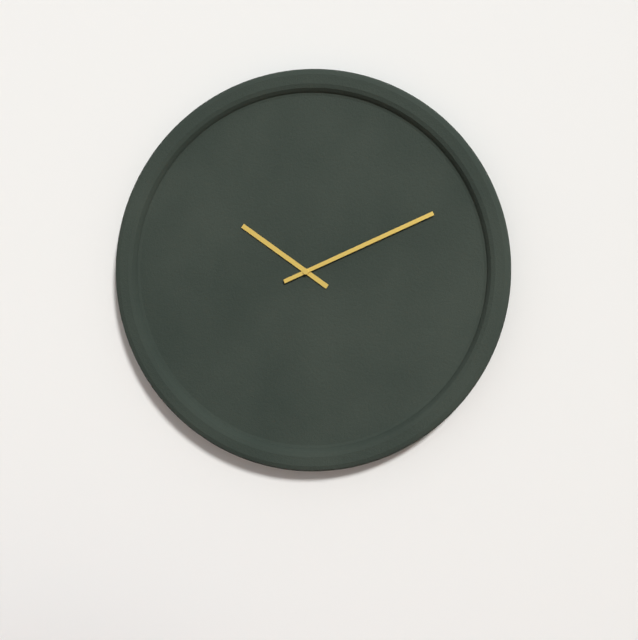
10,11
